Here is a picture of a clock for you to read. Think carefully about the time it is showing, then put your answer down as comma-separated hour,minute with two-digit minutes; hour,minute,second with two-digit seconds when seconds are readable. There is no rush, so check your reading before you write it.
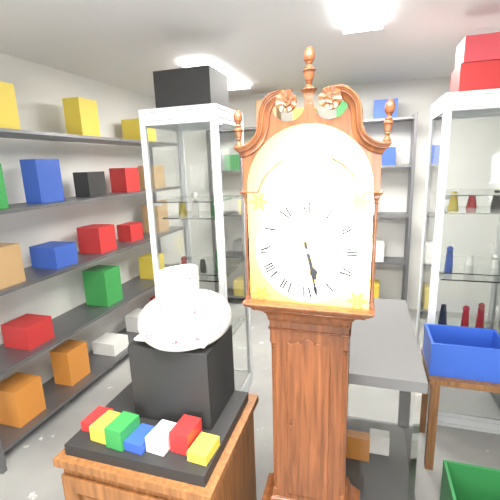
5,28
